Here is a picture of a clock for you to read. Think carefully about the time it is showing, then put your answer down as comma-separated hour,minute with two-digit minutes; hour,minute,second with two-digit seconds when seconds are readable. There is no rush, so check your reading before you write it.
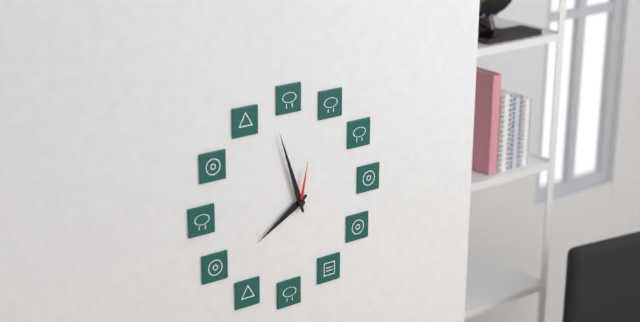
7,57,02
